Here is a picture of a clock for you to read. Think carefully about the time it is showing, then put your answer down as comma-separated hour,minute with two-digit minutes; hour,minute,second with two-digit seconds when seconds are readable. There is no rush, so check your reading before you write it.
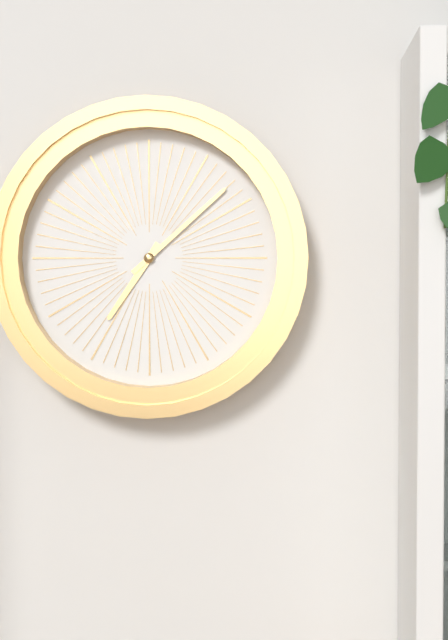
7,08
